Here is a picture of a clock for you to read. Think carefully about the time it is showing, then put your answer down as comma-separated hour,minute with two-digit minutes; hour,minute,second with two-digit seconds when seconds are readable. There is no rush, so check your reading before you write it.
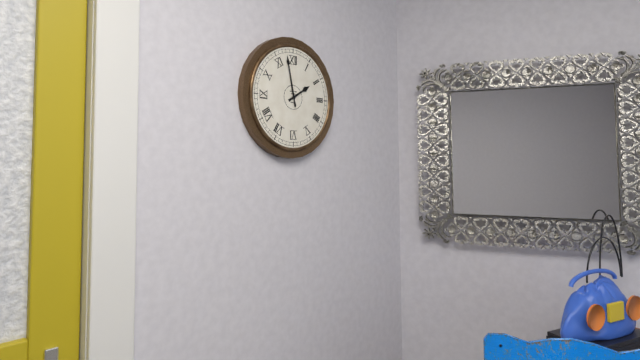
1,58
